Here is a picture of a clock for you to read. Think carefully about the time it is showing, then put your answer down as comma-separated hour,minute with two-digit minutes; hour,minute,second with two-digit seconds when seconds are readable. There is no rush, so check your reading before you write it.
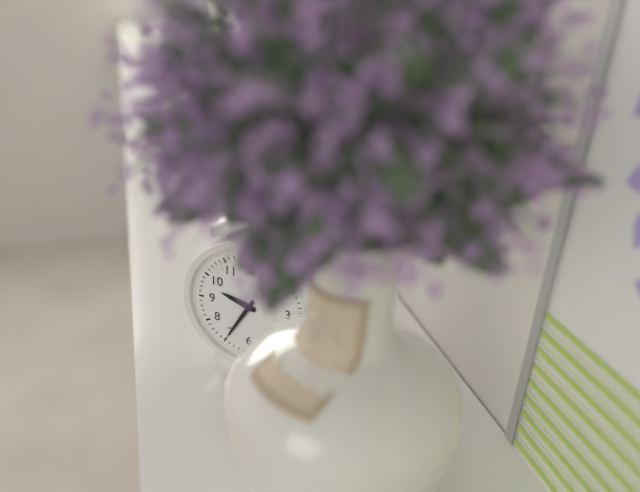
9,35
